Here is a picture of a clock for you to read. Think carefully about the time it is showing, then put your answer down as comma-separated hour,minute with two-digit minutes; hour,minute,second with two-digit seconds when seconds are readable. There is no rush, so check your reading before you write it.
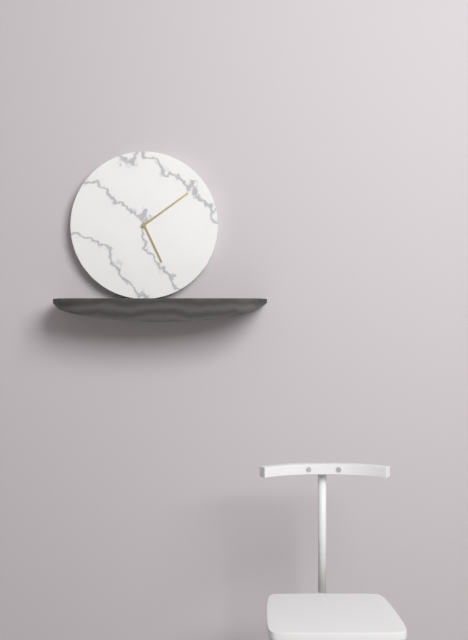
5,09
